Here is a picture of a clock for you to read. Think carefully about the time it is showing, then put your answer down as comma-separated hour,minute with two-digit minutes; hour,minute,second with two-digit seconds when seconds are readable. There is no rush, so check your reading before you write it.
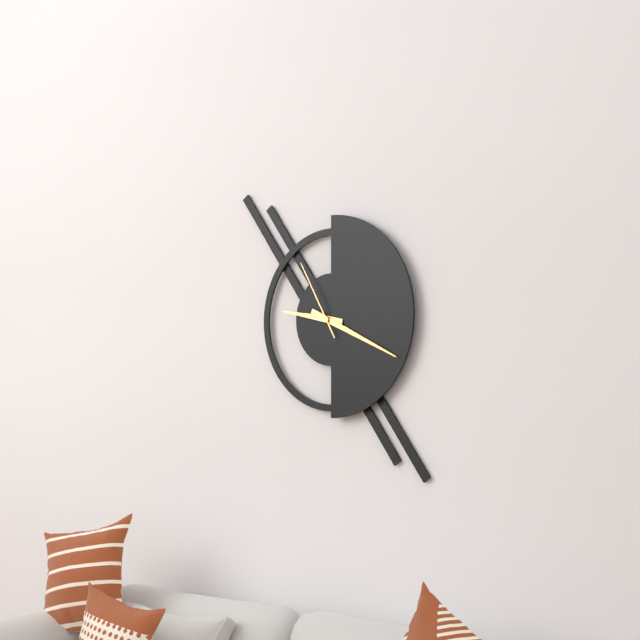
9,19,55
